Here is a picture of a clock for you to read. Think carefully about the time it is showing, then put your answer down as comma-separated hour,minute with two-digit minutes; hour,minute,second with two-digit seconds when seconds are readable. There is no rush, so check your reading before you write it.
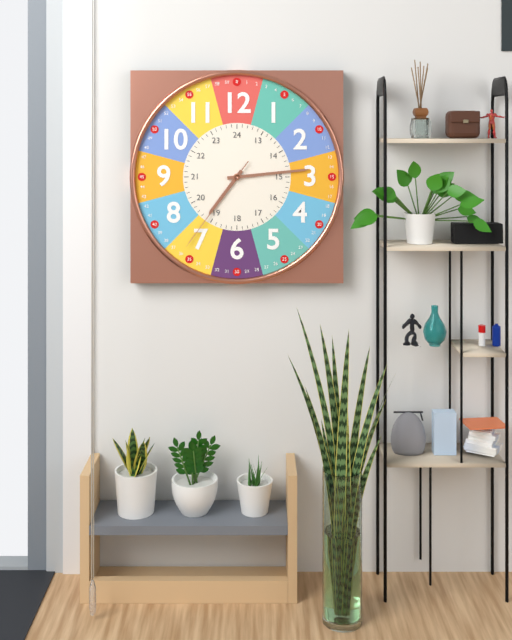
7,14,36
